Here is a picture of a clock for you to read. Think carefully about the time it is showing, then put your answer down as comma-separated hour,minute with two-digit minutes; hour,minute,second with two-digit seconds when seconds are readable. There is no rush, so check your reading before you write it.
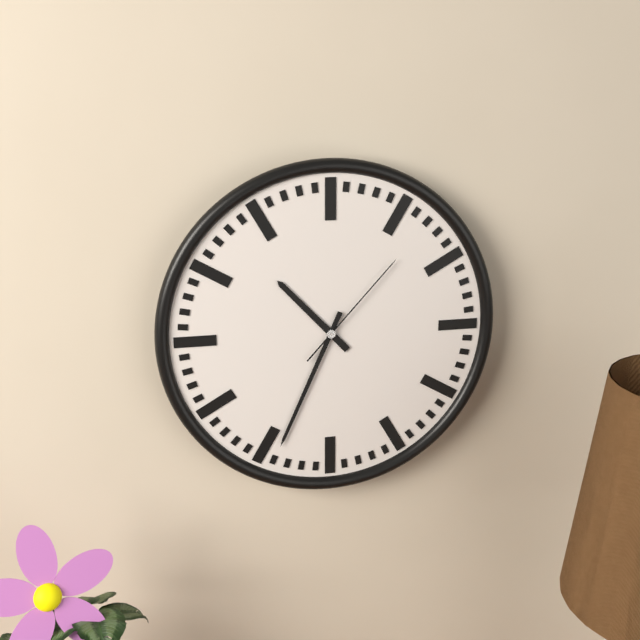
10,34,07
